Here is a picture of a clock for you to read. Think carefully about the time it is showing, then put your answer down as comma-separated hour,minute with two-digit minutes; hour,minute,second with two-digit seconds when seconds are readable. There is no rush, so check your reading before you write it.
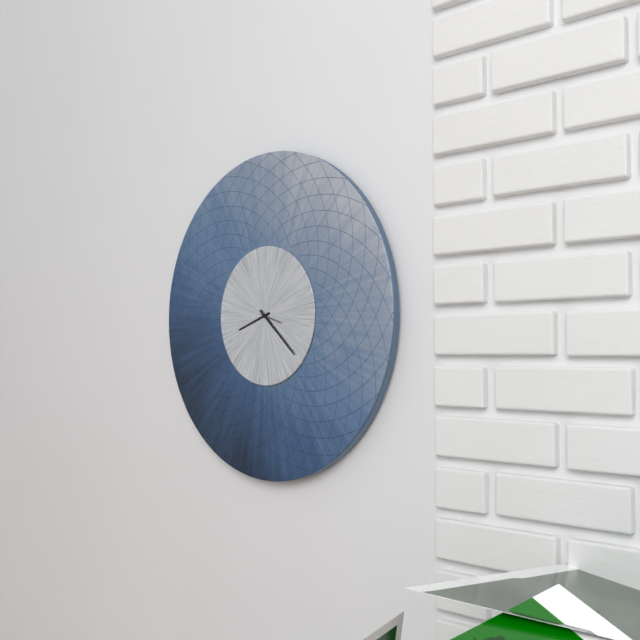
8,22
